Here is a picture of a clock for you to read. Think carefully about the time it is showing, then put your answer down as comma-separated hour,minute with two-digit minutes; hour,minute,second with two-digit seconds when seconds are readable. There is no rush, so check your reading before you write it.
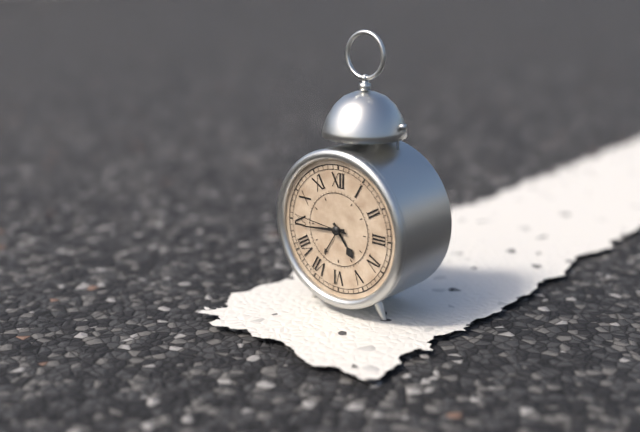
4,44,46
